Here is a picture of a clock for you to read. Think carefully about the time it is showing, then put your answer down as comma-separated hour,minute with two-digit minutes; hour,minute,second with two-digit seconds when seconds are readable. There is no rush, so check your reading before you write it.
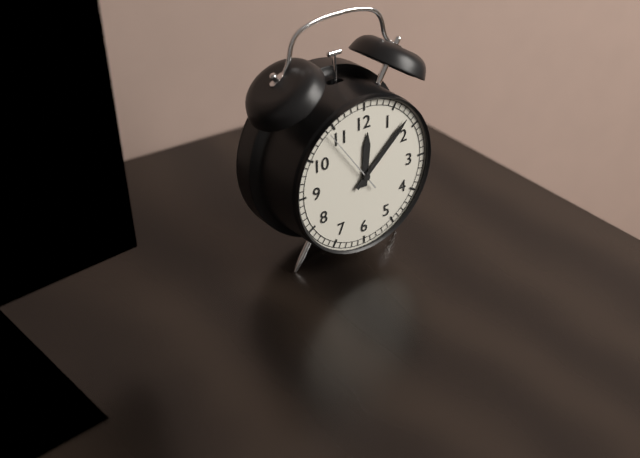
12,08,54
